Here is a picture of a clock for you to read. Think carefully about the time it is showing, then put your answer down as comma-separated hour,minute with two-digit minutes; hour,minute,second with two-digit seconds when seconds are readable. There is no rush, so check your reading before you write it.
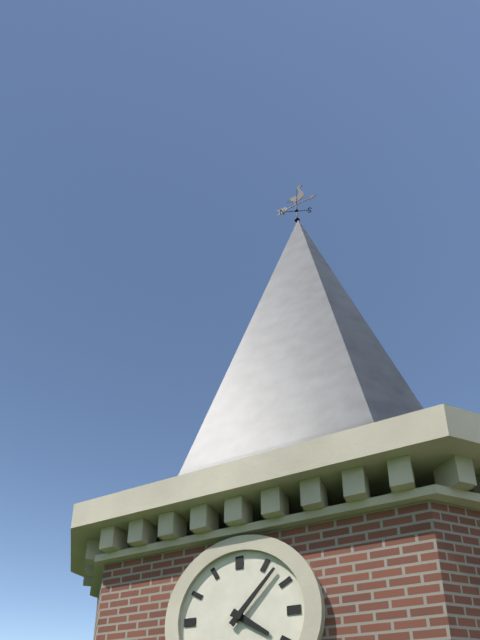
4,07
